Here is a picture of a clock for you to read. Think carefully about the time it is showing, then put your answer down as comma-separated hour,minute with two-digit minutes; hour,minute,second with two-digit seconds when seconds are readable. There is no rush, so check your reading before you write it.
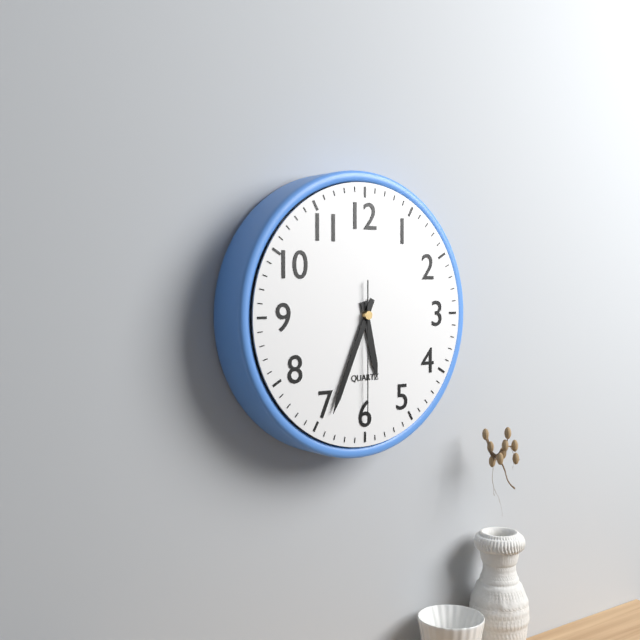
5,34,30
